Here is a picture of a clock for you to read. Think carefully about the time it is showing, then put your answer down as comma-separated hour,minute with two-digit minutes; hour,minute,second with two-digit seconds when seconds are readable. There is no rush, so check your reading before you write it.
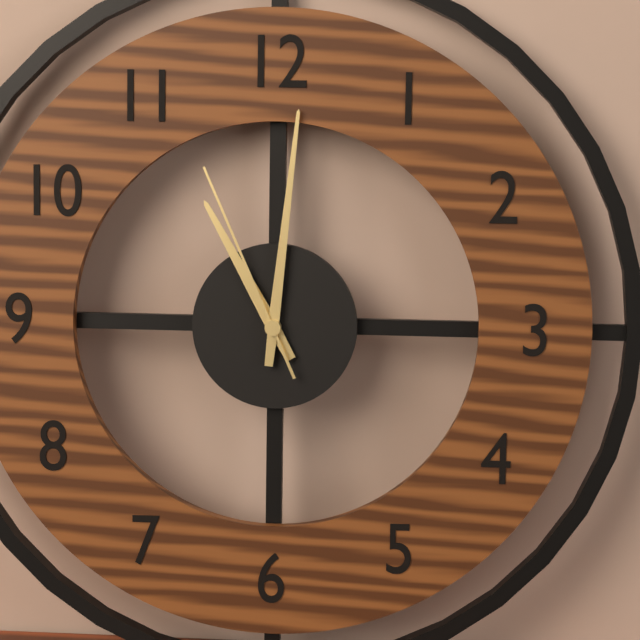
11,01,56
